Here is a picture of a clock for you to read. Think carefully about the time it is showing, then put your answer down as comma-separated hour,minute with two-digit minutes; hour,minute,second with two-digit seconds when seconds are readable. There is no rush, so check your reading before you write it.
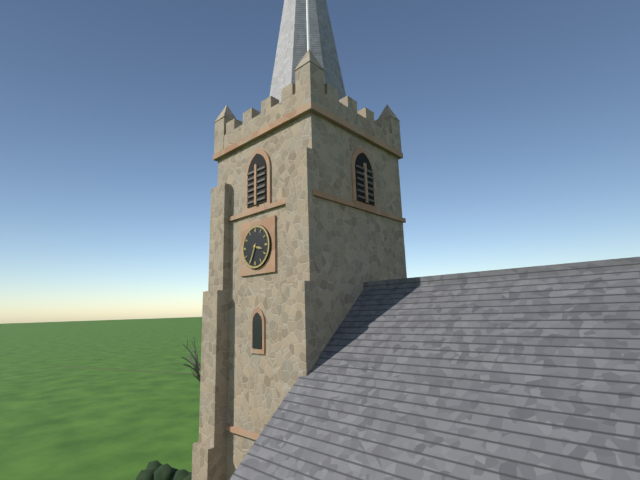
3,34
